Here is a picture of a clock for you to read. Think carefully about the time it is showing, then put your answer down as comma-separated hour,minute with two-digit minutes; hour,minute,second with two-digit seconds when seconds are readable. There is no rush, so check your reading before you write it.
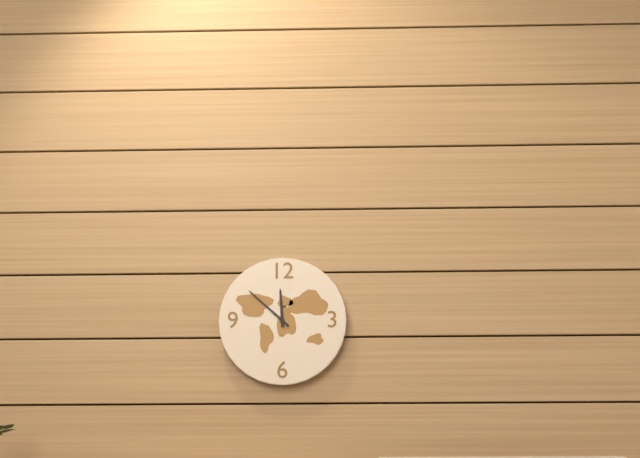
11,52
